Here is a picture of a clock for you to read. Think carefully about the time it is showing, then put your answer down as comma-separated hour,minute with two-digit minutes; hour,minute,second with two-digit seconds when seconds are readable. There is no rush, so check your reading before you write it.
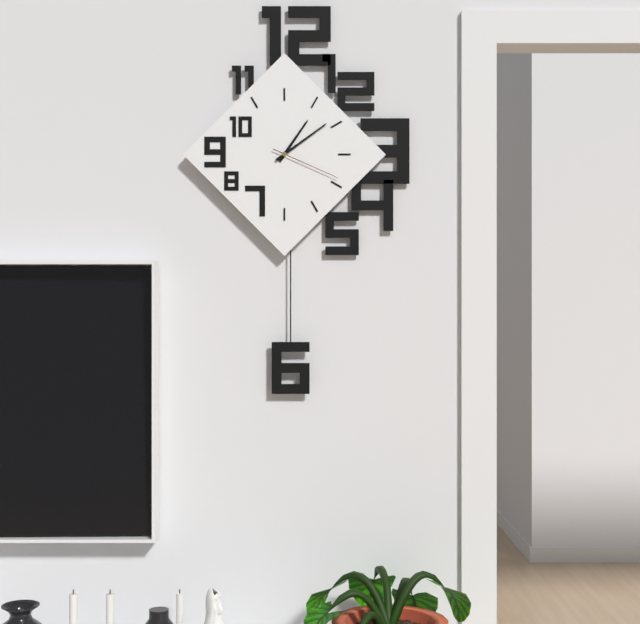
1,09,19
